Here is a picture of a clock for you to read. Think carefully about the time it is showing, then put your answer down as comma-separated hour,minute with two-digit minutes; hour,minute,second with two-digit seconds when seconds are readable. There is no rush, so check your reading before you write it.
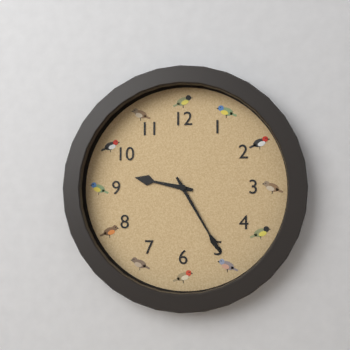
9,25
